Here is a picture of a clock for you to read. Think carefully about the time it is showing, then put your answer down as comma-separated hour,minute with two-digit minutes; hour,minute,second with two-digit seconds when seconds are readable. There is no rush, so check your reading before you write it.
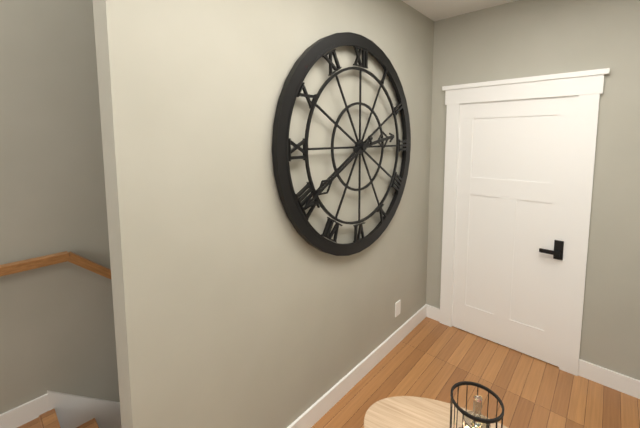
2,40
